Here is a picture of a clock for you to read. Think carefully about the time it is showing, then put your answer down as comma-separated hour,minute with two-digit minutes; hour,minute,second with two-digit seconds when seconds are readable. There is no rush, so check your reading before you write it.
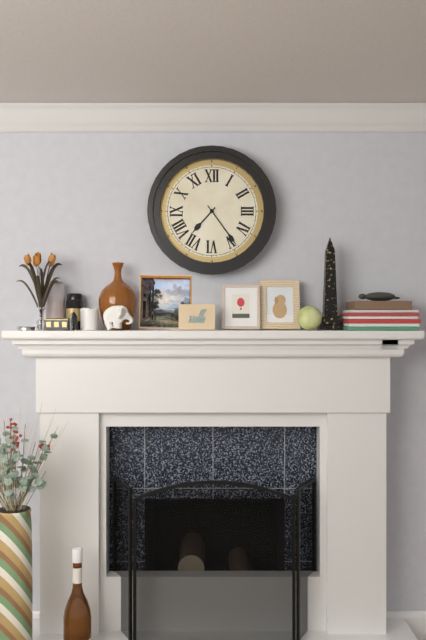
7,24
